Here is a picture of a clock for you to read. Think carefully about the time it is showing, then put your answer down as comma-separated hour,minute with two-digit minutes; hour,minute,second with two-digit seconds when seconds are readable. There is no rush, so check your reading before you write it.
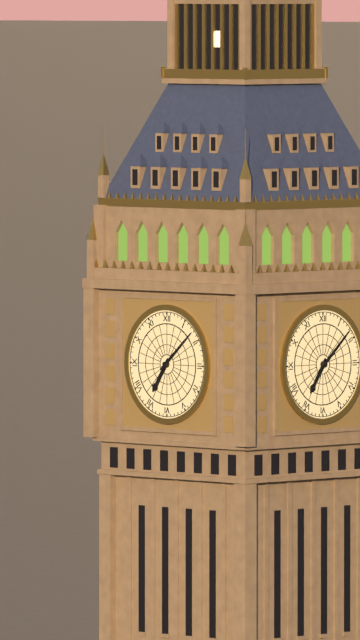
7,08
